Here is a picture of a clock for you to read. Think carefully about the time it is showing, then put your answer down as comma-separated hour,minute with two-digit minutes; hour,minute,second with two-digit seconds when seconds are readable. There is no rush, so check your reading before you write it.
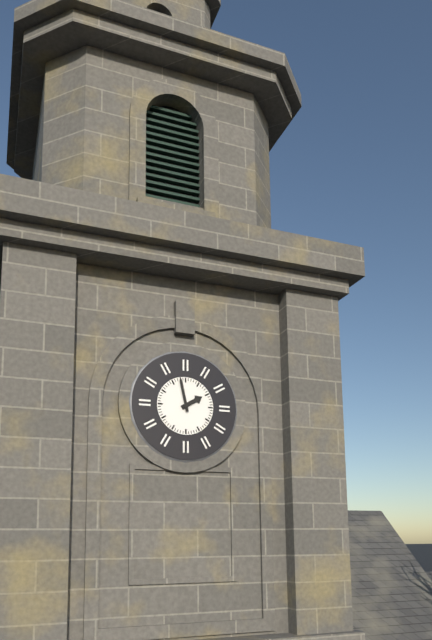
1,58
